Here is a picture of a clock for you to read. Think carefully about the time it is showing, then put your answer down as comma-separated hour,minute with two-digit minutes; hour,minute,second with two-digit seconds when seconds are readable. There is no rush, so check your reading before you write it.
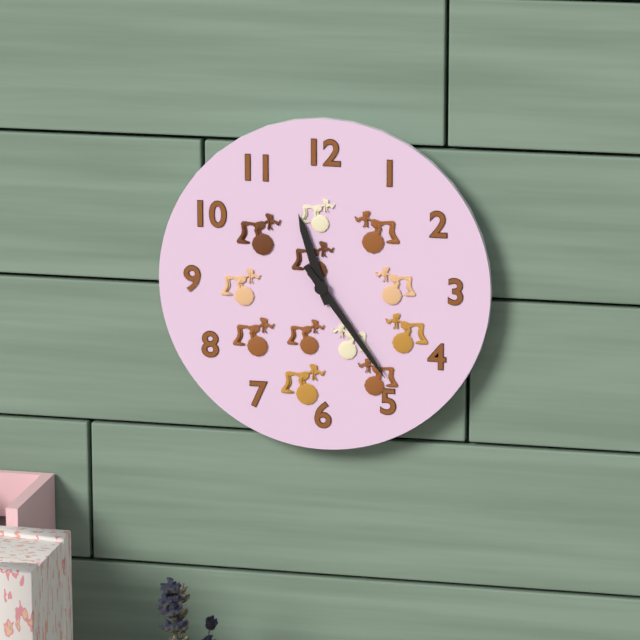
11,24
